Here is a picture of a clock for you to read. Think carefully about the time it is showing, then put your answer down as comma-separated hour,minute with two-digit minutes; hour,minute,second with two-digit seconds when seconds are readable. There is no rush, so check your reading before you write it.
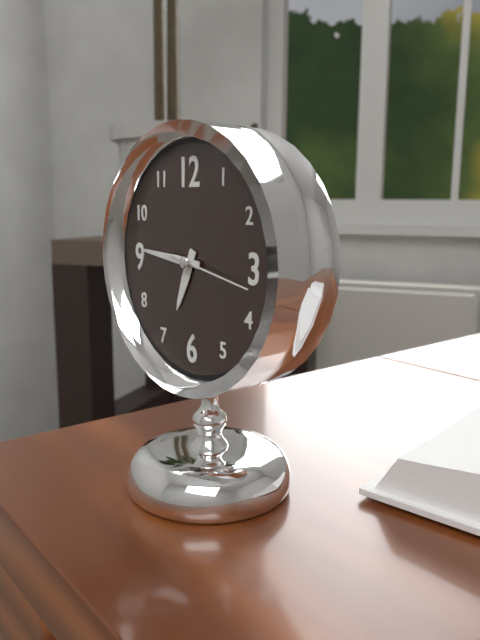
6,46,17
